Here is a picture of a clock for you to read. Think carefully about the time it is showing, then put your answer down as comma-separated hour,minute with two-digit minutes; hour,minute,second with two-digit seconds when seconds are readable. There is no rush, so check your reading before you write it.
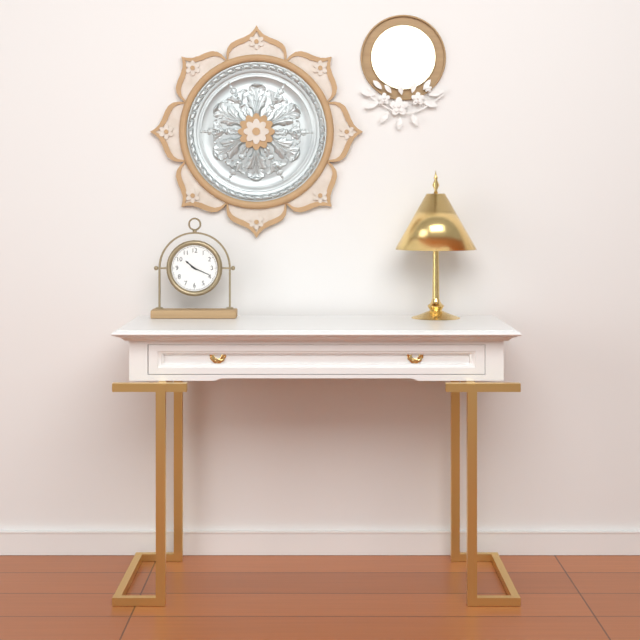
10,19
